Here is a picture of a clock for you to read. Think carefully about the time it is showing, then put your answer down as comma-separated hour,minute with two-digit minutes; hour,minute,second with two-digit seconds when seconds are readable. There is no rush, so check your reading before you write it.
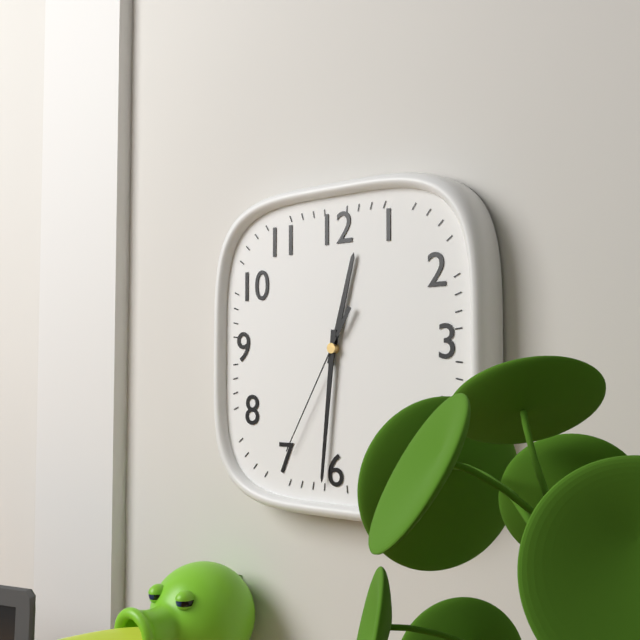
12,31,35
